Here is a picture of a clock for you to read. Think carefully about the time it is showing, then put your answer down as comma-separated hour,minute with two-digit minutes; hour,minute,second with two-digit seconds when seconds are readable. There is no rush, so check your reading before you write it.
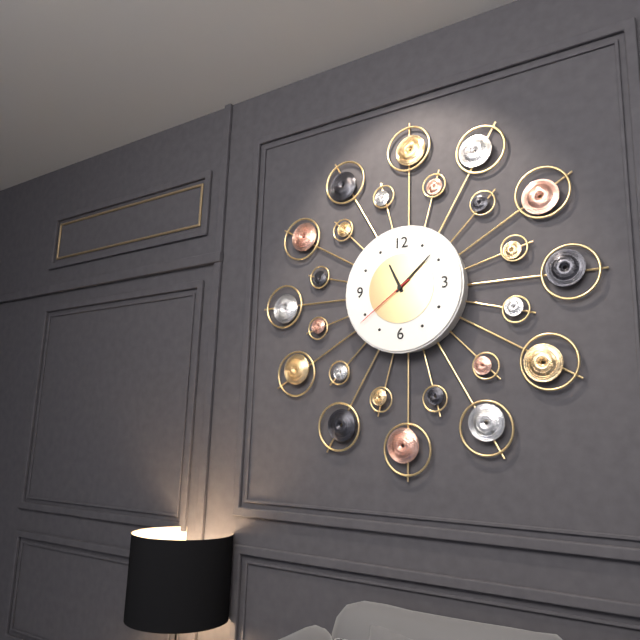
11,08,39
